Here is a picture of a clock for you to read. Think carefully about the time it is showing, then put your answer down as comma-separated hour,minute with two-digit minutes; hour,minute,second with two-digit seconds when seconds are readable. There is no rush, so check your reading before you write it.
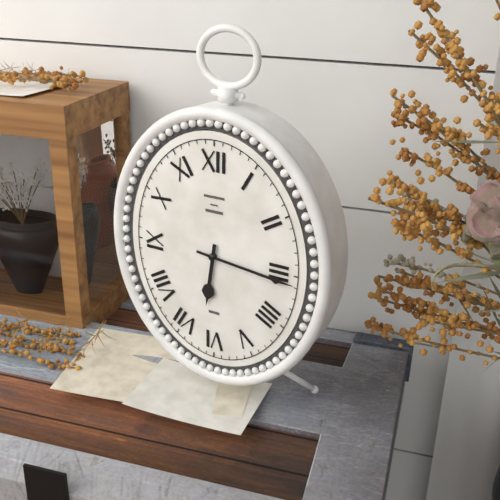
6,16
